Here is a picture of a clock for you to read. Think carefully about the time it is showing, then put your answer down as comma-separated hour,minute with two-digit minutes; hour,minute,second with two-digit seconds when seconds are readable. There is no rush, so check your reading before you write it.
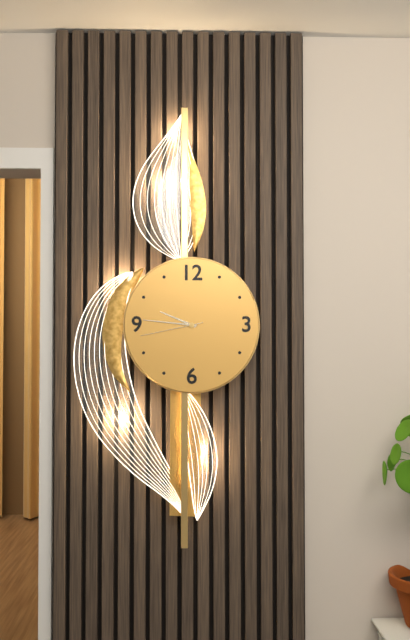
9,46,43
